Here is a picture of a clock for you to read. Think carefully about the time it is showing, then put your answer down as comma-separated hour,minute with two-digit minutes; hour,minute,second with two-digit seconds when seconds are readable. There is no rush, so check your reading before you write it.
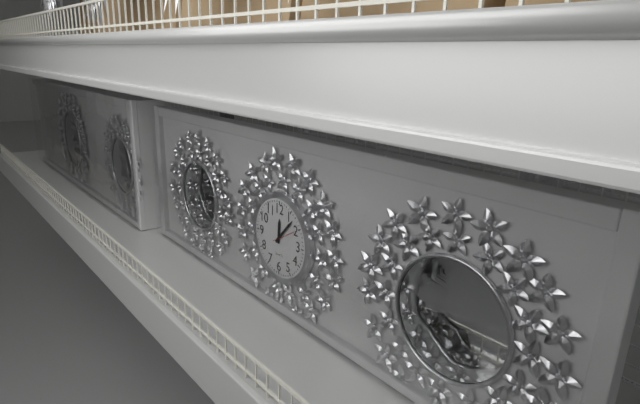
12,07
